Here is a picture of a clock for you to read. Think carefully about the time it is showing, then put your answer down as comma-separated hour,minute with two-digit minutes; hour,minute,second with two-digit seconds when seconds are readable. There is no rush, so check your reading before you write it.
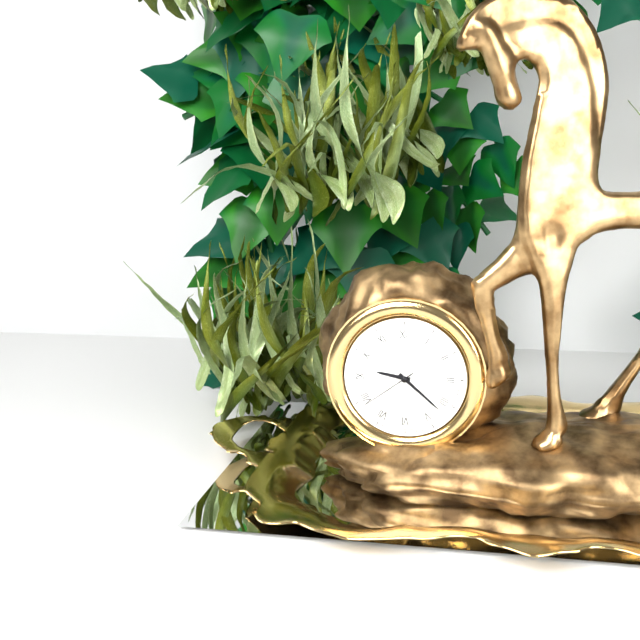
9,22,39
